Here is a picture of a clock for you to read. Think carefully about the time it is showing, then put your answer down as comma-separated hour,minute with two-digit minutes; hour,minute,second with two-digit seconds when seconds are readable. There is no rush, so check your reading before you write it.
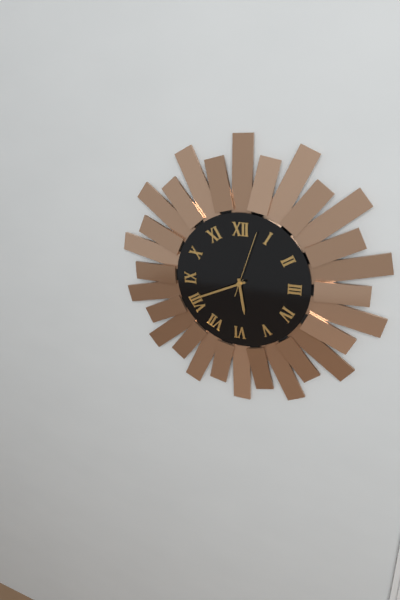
5,41,03
